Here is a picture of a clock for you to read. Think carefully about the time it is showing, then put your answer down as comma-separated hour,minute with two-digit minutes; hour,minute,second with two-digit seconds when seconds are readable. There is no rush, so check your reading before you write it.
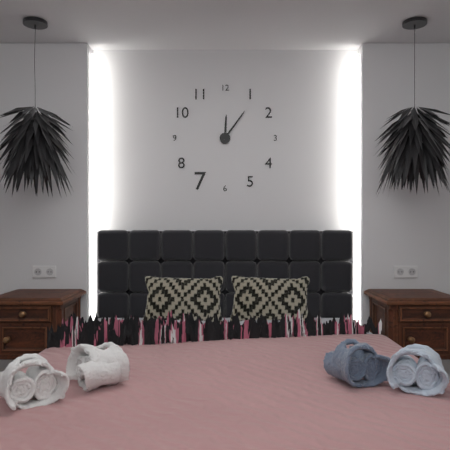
12,06
